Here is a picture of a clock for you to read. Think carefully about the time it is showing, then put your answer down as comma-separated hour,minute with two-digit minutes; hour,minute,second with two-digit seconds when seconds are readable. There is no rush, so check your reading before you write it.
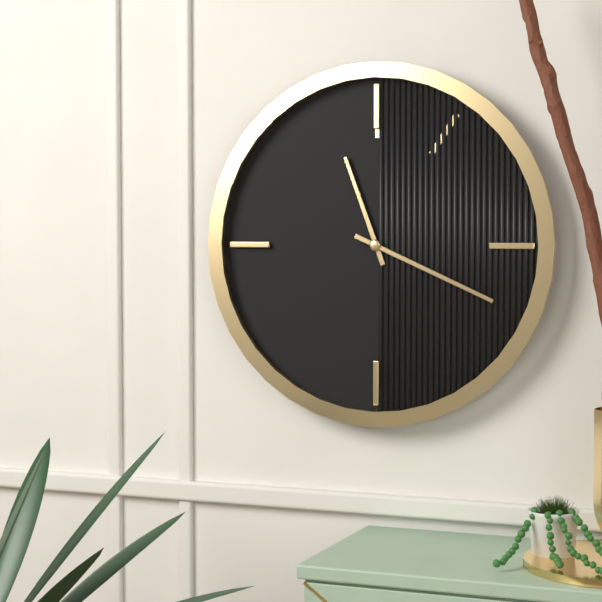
11,19
